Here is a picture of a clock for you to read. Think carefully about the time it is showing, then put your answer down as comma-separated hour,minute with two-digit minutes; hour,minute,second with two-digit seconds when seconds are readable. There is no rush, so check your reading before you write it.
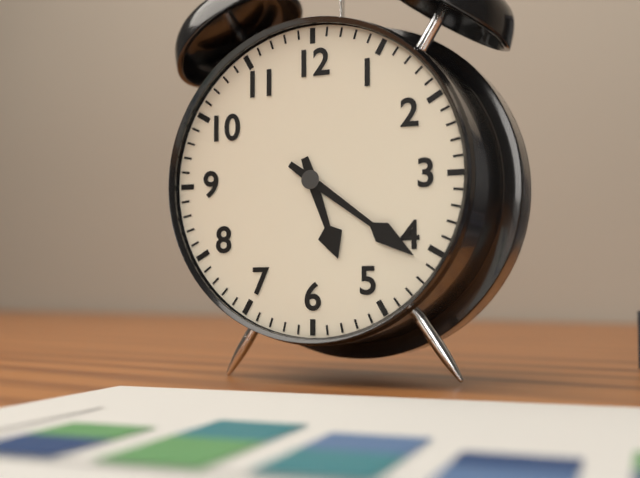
5,21
